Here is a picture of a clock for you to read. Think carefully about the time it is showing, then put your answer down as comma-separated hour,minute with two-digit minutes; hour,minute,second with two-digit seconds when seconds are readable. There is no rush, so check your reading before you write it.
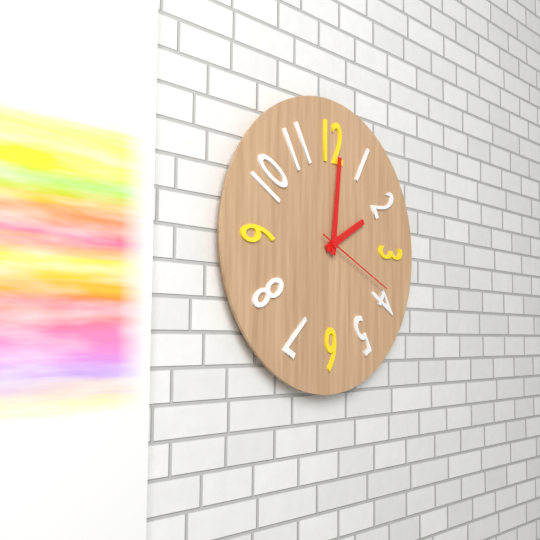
2,01,19
